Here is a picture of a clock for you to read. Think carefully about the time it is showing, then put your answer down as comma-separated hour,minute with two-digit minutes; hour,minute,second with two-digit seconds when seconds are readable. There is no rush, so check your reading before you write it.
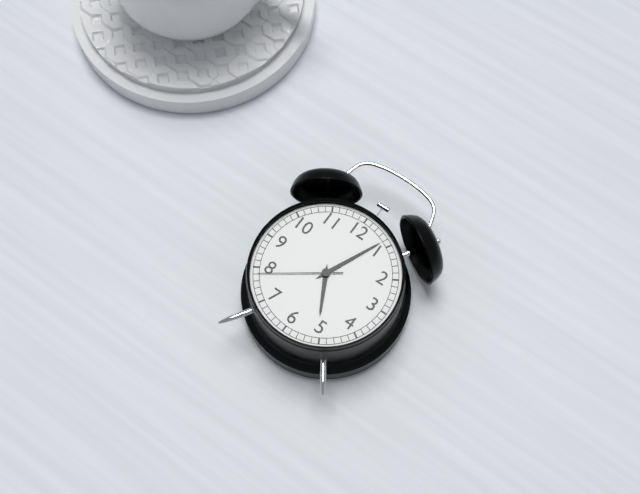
5,04,39
